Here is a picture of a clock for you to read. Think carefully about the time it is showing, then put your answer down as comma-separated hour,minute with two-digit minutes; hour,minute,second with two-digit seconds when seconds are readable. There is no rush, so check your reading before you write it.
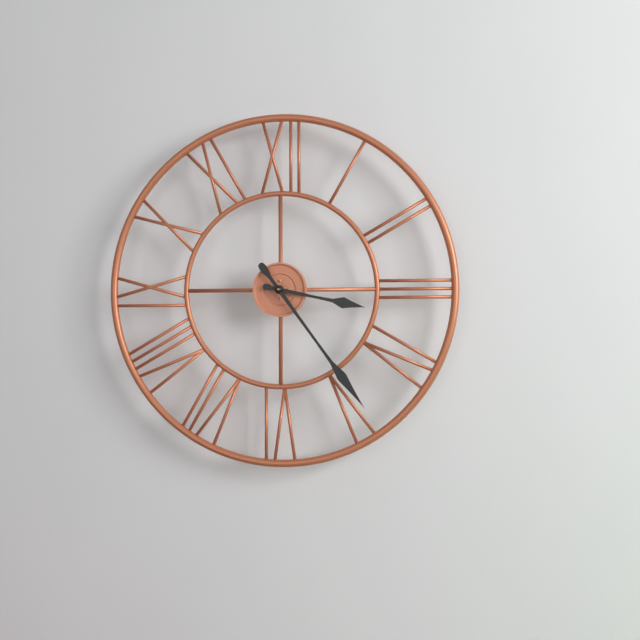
3,24
